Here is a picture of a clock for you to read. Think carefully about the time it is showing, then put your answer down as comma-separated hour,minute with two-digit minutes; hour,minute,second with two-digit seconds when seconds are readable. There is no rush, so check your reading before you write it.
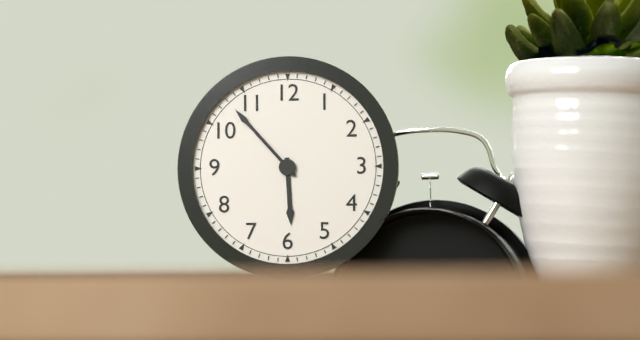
5,53
